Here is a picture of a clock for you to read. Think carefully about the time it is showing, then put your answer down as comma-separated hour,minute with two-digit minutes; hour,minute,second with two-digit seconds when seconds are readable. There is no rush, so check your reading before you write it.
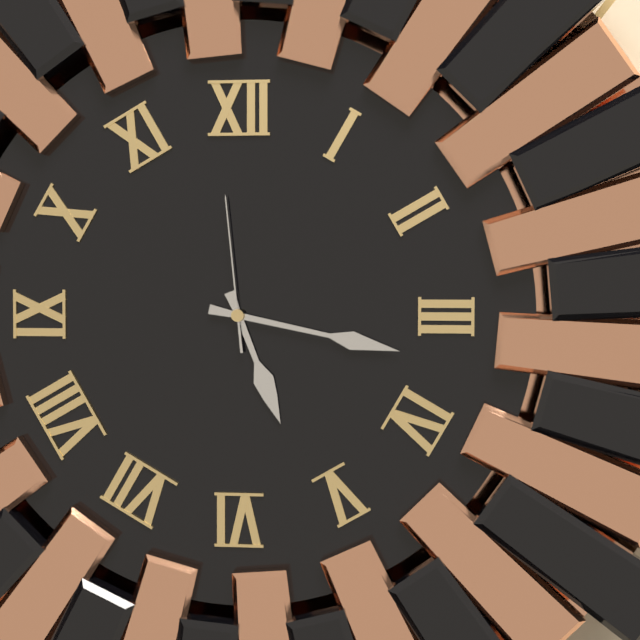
5,17,59
